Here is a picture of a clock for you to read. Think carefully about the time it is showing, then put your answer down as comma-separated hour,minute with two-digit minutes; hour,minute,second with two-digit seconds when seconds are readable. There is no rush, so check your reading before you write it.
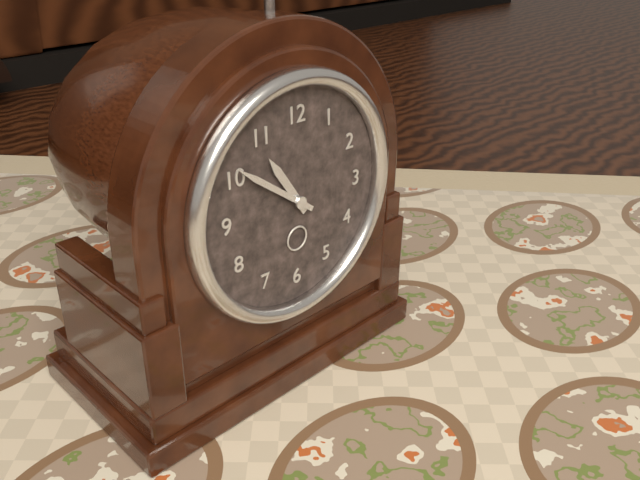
10,51
